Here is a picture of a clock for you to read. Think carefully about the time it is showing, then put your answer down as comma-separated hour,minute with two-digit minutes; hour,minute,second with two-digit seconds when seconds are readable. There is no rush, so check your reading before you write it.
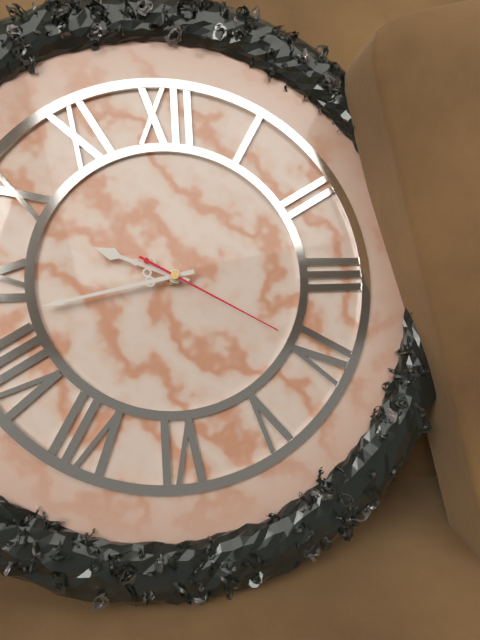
9,43,20
